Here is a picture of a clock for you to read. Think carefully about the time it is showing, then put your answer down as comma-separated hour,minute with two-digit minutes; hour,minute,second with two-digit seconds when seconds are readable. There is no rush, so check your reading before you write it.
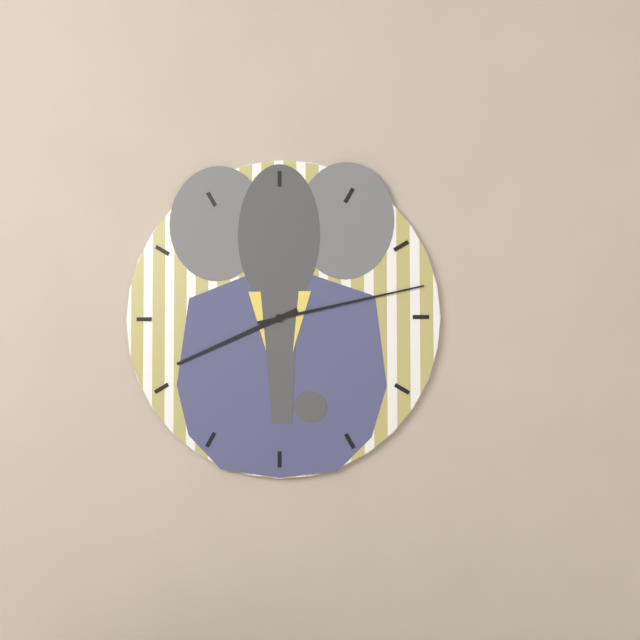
8,13
